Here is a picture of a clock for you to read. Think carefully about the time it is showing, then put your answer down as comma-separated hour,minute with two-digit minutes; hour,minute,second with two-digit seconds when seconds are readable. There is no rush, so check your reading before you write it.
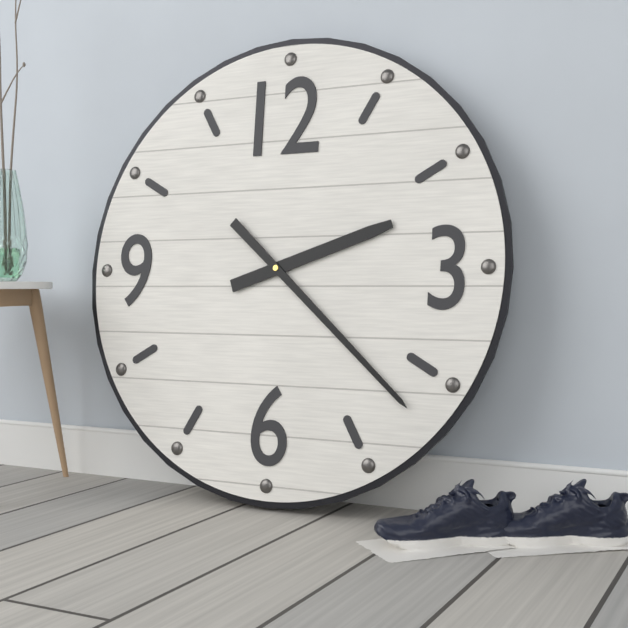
2,22
